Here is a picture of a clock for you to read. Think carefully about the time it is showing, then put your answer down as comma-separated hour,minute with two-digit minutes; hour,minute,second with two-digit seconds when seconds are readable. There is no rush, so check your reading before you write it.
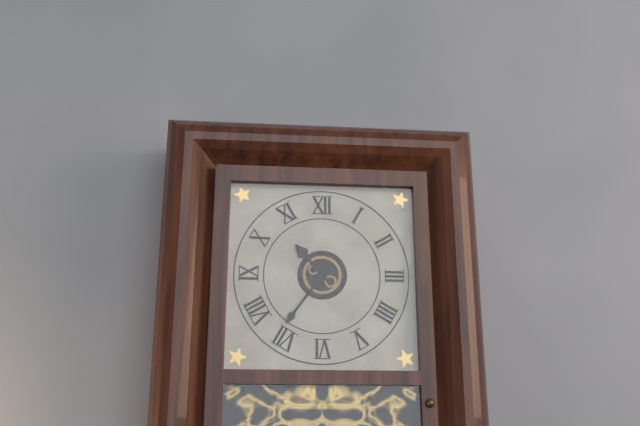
10,36
